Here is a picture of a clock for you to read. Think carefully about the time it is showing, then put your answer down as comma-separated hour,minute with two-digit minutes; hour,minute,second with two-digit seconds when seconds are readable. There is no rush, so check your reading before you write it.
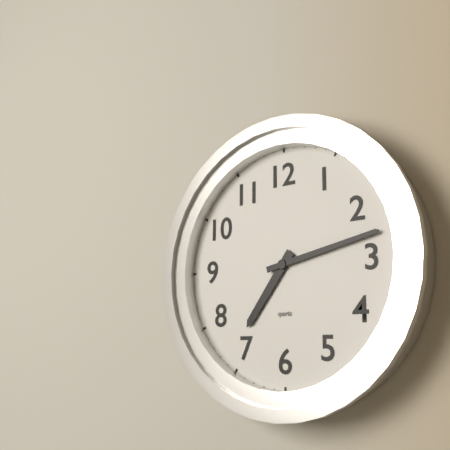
7,13
